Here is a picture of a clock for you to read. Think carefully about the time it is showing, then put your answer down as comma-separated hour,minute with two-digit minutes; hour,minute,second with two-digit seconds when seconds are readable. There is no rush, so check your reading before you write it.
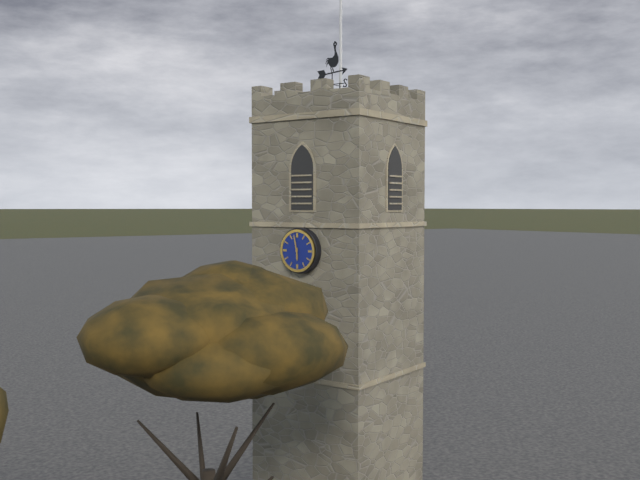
5,58
